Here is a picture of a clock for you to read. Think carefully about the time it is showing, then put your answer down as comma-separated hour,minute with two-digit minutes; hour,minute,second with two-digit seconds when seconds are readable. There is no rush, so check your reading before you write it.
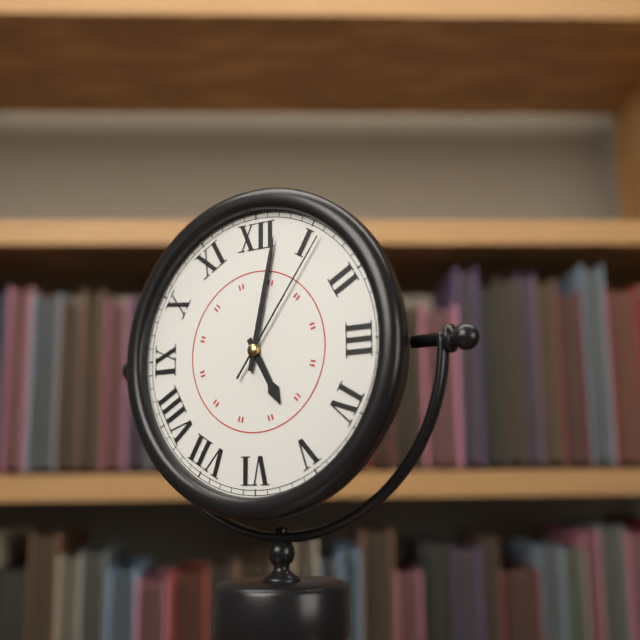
5,02,06
